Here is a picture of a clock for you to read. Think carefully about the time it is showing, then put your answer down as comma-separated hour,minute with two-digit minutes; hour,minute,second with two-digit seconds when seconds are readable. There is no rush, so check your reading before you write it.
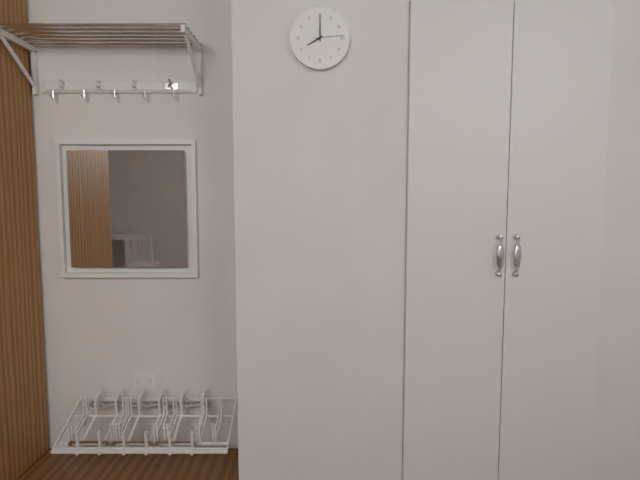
8,00
